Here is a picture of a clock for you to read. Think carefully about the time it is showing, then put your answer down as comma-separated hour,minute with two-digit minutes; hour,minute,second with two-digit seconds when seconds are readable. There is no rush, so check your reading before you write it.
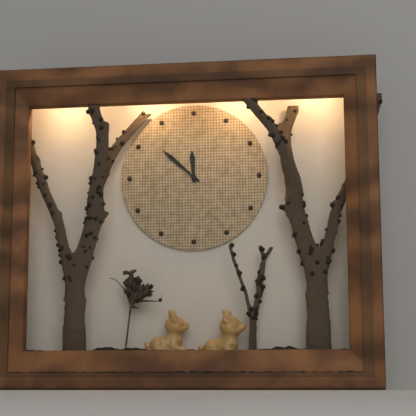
11,52
